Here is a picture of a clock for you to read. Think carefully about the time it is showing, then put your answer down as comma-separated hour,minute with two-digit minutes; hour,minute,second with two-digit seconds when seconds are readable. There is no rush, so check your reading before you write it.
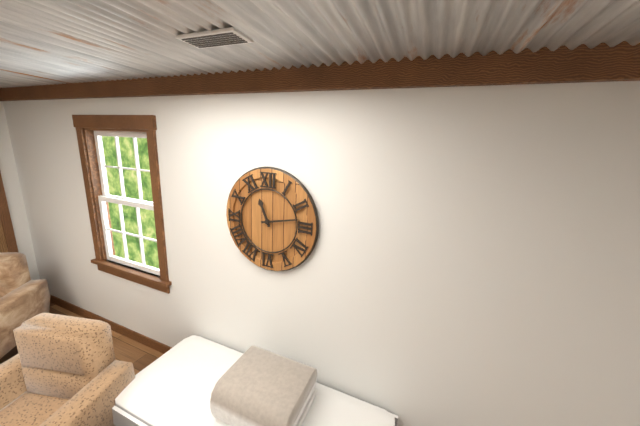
11,13
